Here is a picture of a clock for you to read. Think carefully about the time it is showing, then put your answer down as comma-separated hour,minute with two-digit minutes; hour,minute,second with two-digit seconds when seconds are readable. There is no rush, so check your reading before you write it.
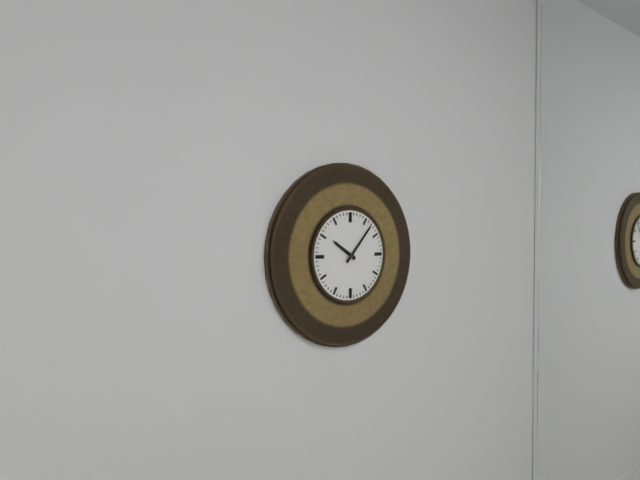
10,07
